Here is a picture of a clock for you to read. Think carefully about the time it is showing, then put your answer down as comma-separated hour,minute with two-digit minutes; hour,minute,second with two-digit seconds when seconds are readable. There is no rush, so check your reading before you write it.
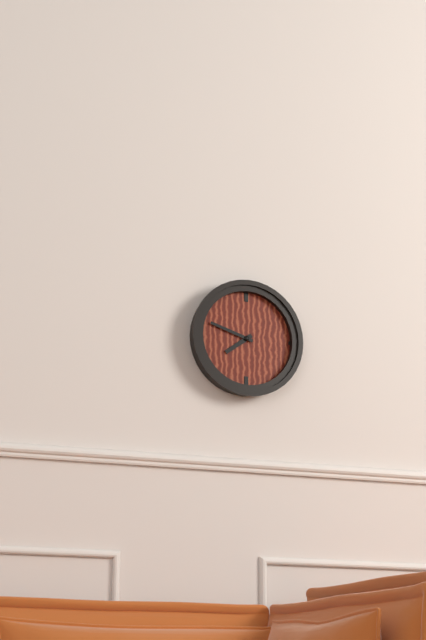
7,48
